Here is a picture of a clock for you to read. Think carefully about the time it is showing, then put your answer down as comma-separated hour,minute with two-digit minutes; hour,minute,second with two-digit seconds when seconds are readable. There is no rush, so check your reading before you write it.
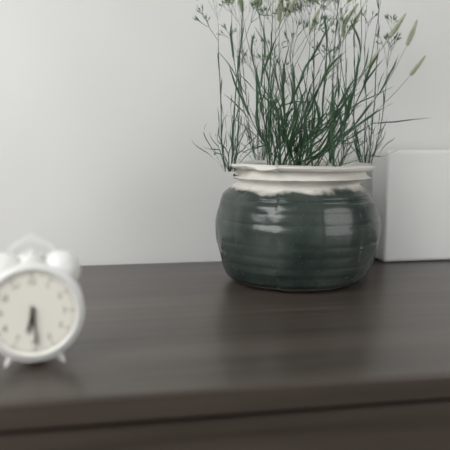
6,29
